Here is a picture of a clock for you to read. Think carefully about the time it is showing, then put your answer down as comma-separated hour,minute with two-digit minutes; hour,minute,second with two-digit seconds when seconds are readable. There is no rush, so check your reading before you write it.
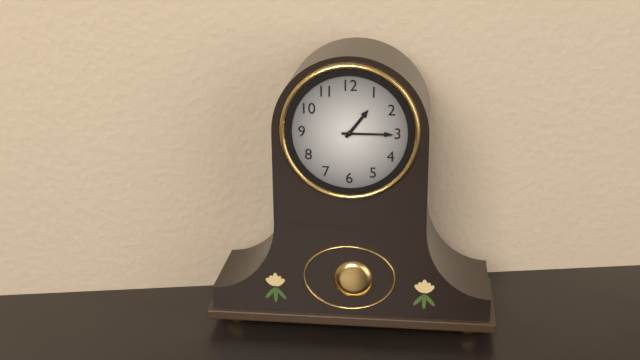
1,15
